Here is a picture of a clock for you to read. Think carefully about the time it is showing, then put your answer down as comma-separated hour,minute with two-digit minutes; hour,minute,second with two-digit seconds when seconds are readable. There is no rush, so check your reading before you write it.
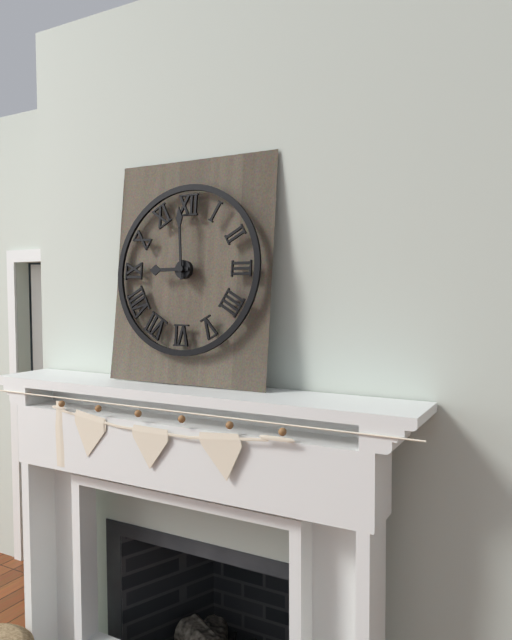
8,59
